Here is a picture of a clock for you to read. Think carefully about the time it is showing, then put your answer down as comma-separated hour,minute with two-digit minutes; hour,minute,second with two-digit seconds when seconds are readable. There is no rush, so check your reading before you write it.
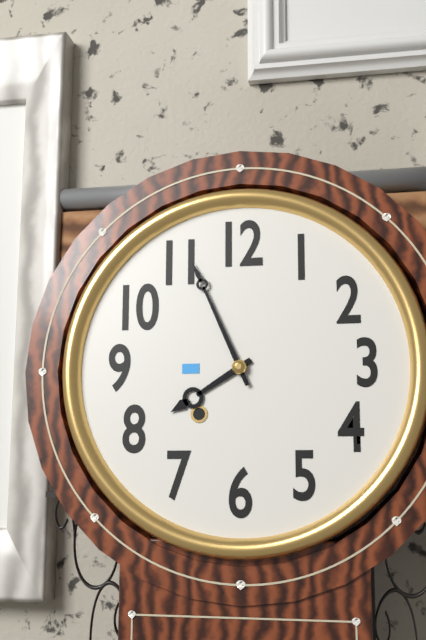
7,56
